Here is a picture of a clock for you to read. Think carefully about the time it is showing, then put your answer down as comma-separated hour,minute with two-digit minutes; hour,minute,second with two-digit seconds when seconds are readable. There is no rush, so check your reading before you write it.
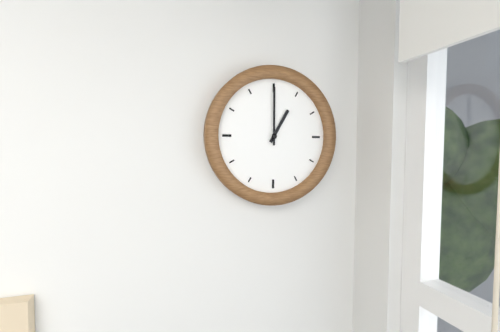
1,00
